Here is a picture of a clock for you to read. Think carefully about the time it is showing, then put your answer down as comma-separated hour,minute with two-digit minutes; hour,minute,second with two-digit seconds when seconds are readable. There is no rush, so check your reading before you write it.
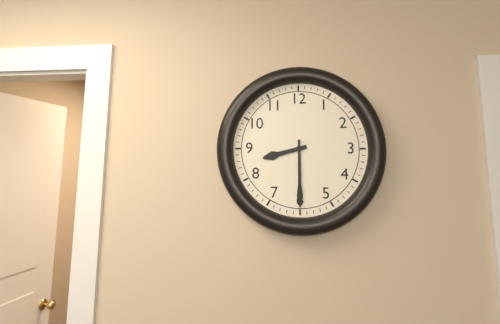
8,30
